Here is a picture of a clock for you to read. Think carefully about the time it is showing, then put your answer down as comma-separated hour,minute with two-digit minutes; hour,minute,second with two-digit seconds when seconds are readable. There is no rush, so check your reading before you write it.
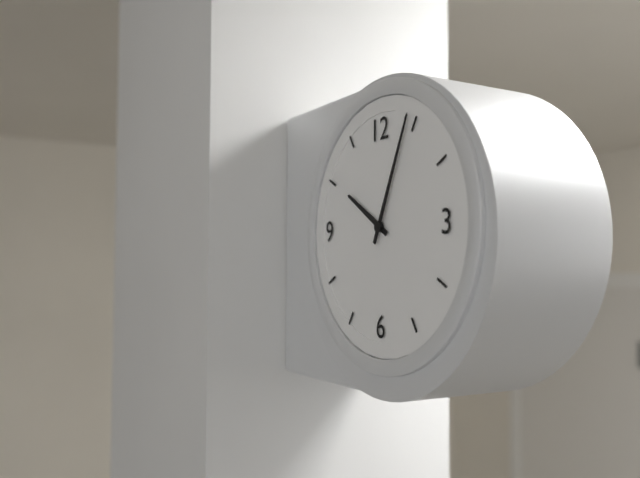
10,04
